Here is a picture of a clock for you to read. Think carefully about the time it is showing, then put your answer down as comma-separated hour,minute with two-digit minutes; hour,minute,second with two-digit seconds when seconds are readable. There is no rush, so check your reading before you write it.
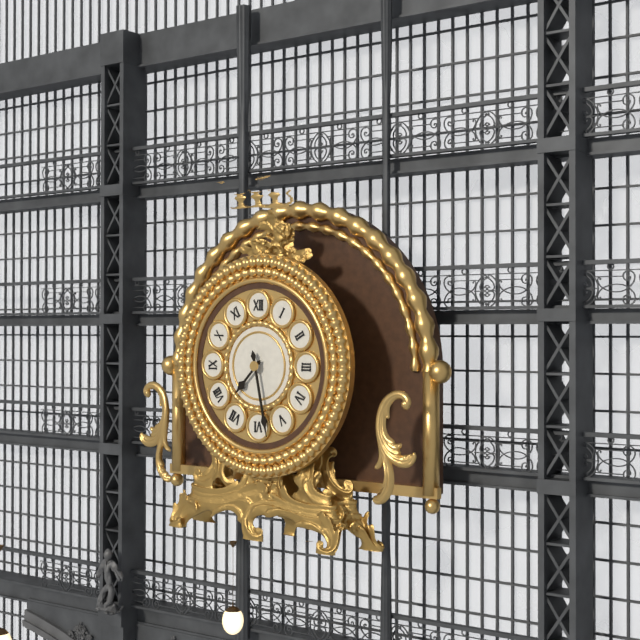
7,28
